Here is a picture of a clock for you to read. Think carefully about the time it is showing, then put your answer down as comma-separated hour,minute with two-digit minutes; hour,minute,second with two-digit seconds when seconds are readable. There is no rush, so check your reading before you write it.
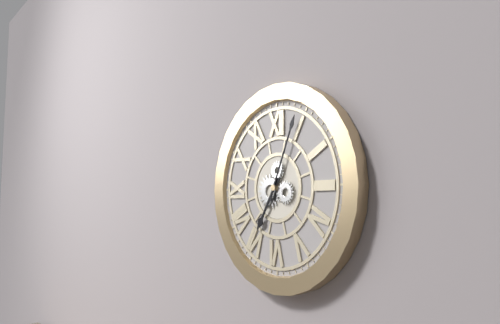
7,04
